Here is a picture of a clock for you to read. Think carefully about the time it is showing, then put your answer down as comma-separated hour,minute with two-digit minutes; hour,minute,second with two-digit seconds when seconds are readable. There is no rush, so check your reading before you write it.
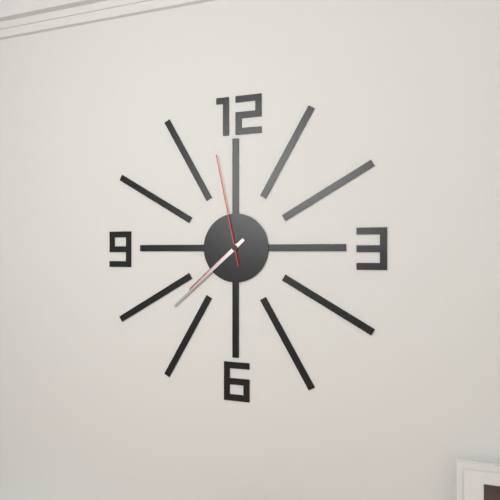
7,38,58
